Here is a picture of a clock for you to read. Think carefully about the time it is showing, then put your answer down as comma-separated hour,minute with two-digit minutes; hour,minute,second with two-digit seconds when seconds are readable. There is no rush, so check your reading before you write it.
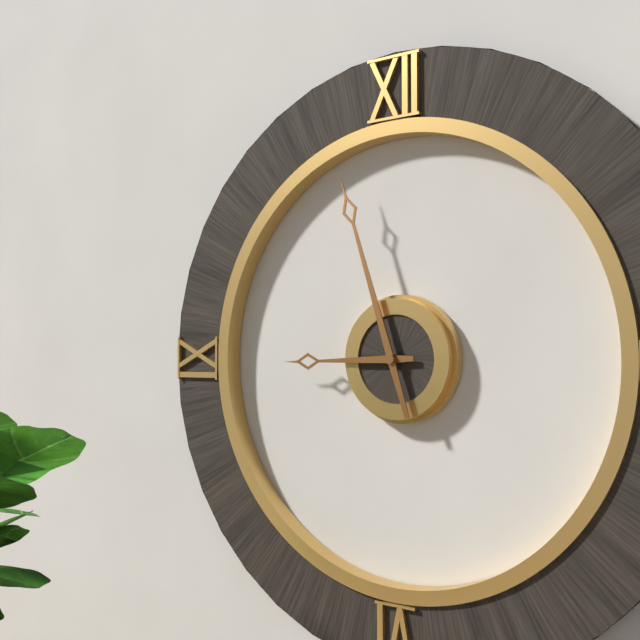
8,57
